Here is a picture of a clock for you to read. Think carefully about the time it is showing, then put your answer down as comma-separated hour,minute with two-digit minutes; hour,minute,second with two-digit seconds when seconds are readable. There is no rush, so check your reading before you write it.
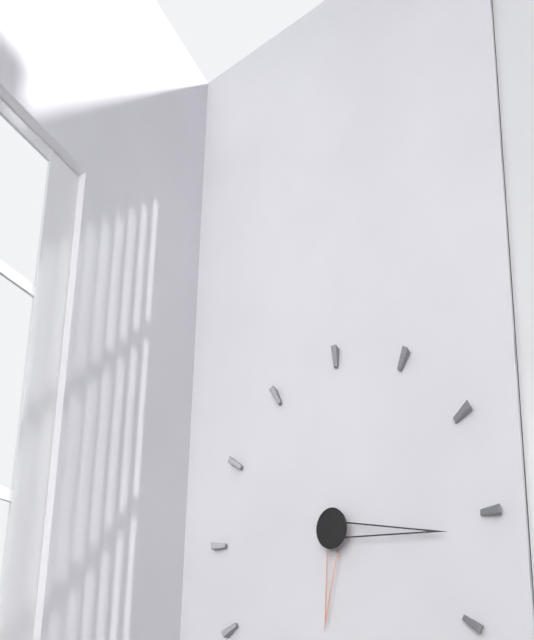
6,16
